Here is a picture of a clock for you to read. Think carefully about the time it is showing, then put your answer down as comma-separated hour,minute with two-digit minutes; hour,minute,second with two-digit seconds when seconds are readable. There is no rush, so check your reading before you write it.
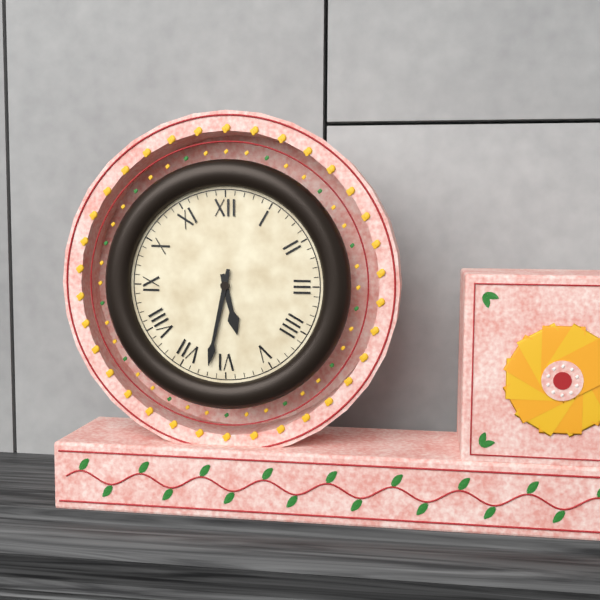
5,32
